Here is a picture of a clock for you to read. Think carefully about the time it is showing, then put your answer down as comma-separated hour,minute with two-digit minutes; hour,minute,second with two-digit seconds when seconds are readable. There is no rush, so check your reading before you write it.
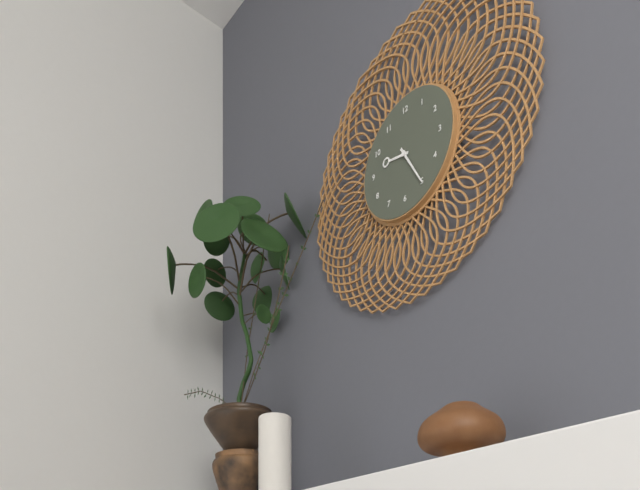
9,25
